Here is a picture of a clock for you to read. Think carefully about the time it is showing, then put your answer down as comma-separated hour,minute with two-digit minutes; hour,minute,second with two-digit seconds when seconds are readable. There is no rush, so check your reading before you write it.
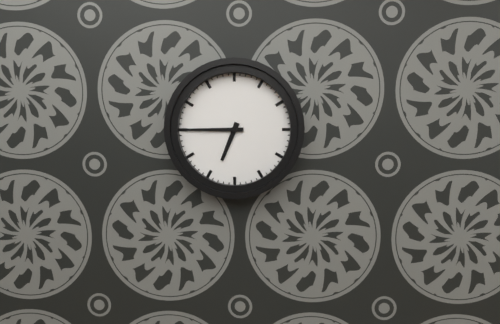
6,45
